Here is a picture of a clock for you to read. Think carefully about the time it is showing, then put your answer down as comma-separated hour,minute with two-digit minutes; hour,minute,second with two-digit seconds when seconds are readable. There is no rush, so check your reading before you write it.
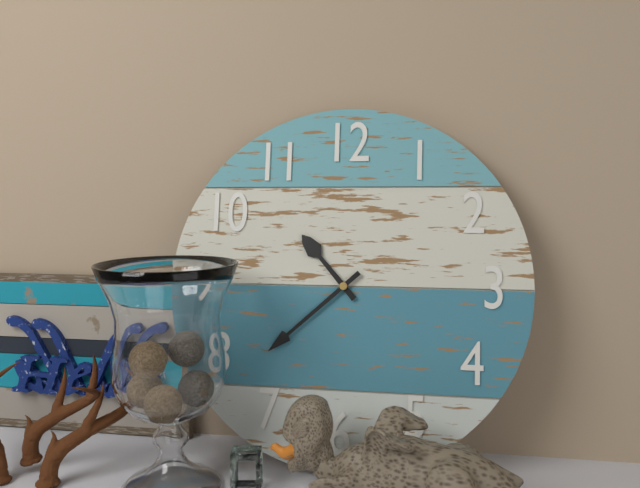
10,38
